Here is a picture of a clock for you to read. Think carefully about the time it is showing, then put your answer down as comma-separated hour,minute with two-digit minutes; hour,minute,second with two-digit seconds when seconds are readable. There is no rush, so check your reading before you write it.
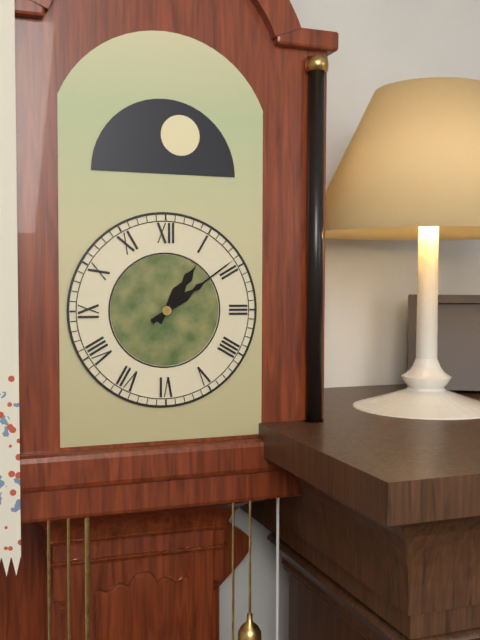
1,09
